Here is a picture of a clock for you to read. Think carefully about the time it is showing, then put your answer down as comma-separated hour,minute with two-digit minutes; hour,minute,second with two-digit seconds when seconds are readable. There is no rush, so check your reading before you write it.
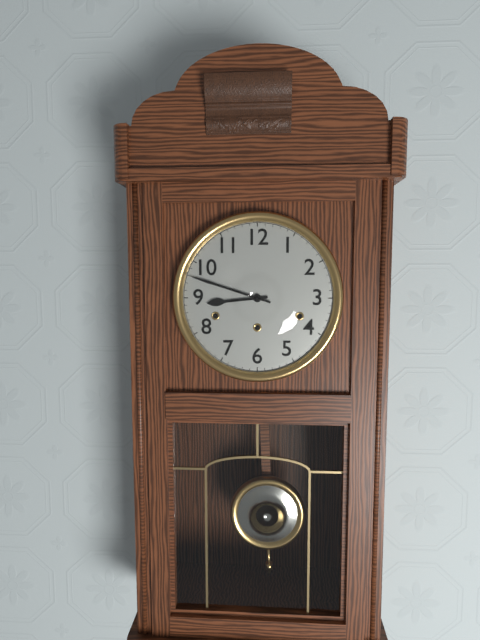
8,48
